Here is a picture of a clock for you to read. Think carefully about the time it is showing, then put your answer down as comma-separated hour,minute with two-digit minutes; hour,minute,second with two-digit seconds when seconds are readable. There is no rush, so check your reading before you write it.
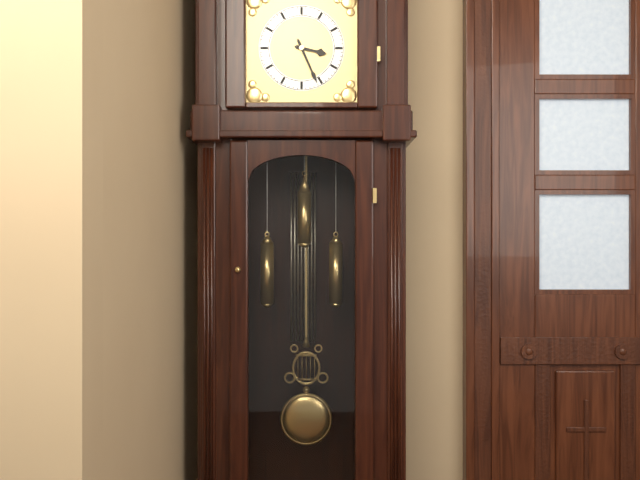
3,26
